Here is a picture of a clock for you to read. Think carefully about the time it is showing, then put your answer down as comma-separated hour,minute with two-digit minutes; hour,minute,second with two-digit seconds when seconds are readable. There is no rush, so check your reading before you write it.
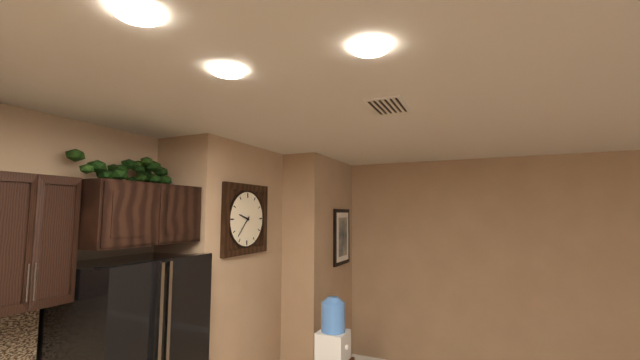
9,37
